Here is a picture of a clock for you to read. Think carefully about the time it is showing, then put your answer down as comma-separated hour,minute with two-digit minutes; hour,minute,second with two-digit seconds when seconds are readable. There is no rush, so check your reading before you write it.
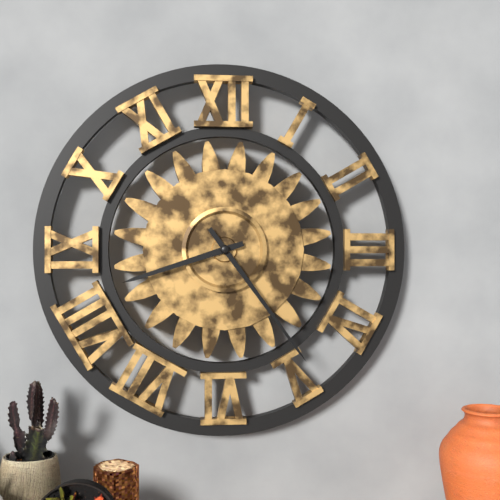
8,24
